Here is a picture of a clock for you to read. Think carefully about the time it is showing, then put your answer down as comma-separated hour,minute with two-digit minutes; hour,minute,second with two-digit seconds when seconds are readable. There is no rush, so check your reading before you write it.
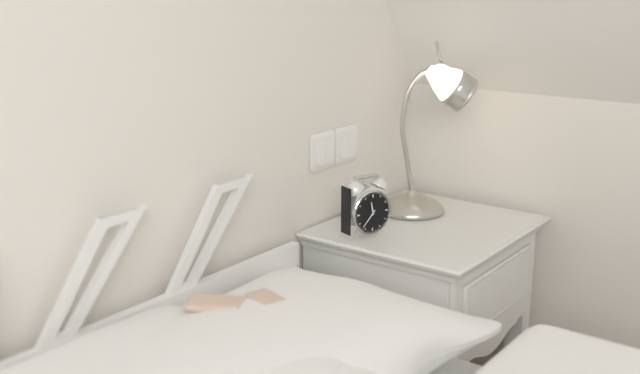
11,37
